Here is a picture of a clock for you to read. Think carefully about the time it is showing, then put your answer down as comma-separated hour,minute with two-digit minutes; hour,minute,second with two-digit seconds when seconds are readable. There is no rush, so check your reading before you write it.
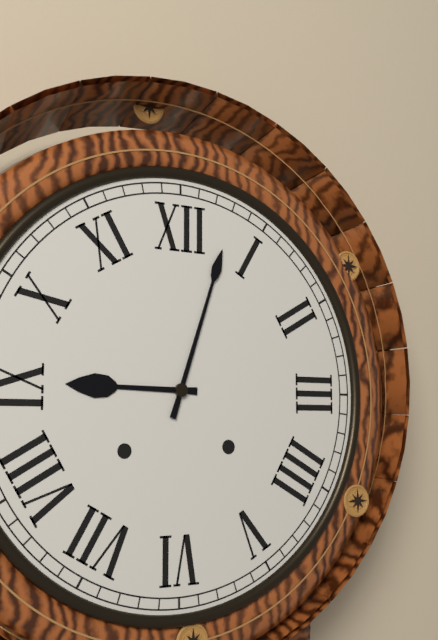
9,03
